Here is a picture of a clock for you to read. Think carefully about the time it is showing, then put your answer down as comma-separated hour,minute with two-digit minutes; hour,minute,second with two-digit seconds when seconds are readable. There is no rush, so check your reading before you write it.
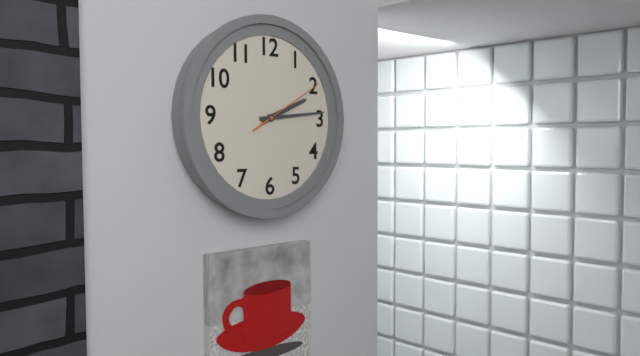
2,14,10
